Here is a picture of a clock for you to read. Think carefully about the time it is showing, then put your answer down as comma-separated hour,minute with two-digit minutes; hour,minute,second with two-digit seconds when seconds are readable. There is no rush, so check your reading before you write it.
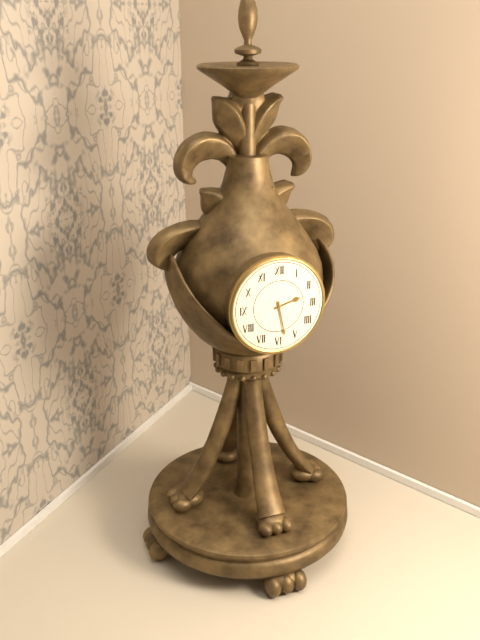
2,28
